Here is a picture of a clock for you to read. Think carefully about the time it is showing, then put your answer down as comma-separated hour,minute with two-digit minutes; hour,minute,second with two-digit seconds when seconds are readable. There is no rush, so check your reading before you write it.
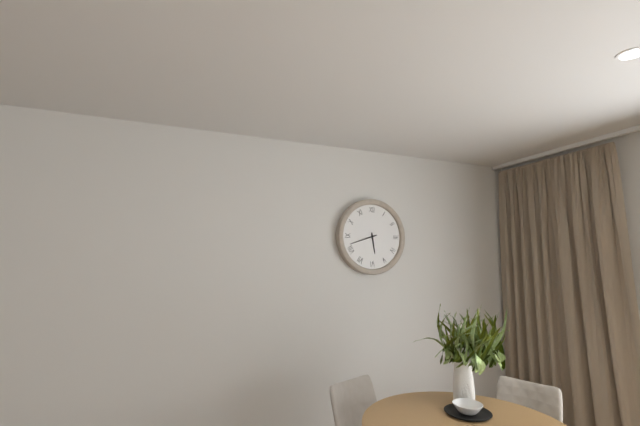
5,42
